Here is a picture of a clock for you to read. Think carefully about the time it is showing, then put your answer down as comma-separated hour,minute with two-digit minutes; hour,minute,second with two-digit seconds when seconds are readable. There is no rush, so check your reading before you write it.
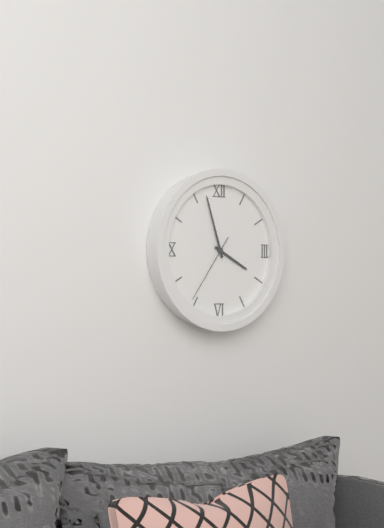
3,57,36
